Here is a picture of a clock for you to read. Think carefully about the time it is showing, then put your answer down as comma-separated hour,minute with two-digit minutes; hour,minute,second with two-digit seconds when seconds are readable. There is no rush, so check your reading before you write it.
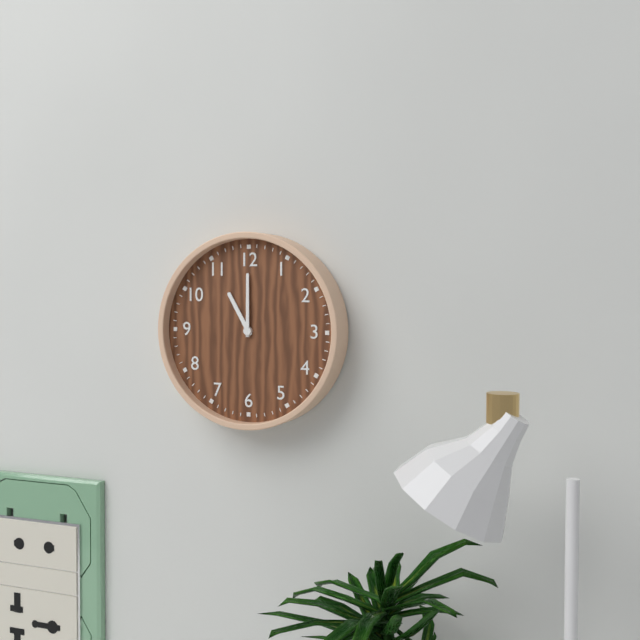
11,00
